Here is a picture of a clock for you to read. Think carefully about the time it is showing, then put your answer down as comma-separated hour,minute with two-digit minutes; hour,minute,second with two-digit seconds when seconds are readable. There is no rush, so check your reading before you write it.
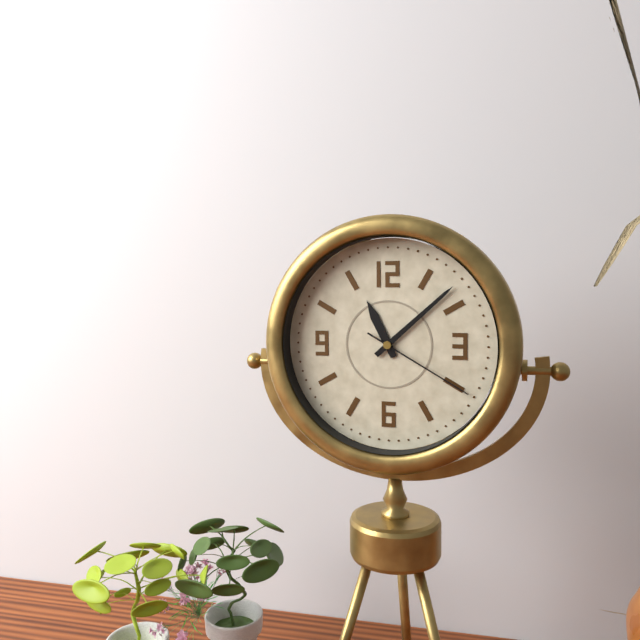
11,08,20
